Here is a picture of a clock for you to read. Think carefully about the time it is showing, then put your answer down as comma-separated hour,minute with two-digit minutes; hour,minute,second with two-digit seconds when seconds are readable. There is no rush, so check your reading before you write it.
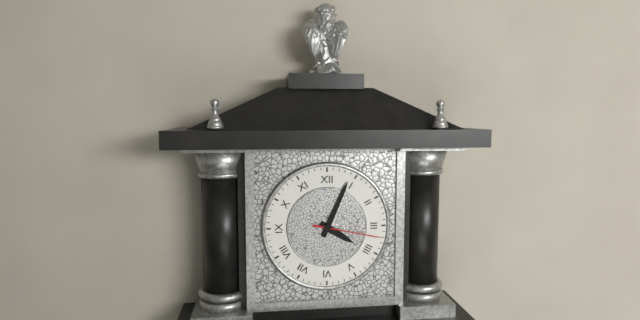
4,04,17
